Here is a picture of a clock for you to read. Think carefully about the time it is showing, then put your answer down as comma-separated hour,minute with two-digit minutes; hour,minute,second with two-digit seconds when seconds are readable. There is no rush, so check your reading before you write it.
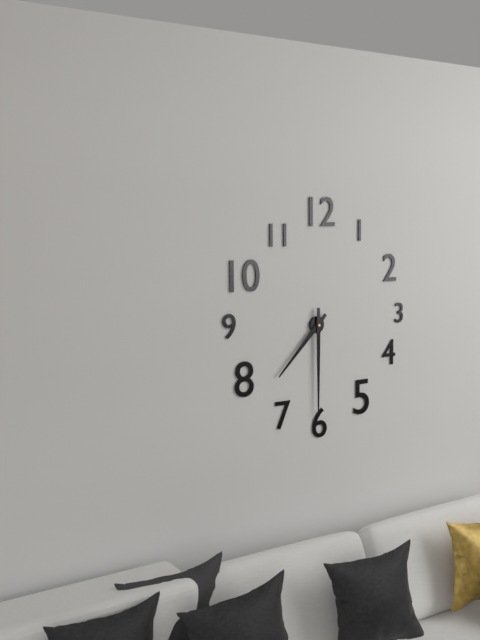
7,30
